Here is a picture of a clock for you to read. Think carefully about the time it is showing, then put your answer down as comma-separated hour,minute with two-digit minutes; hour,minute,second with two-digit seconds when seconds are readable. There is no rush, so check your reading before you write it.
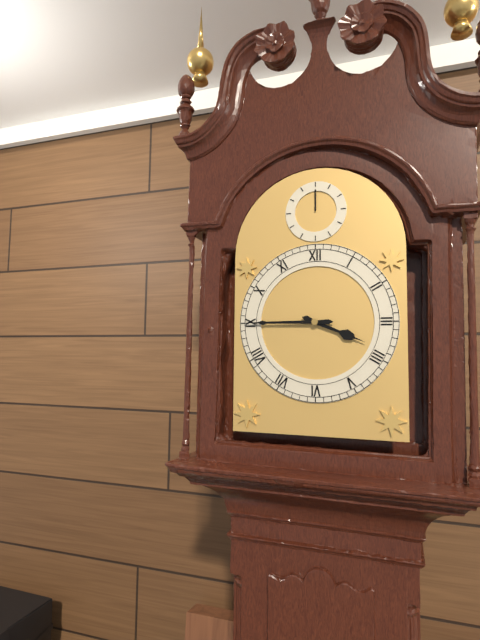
3,45
